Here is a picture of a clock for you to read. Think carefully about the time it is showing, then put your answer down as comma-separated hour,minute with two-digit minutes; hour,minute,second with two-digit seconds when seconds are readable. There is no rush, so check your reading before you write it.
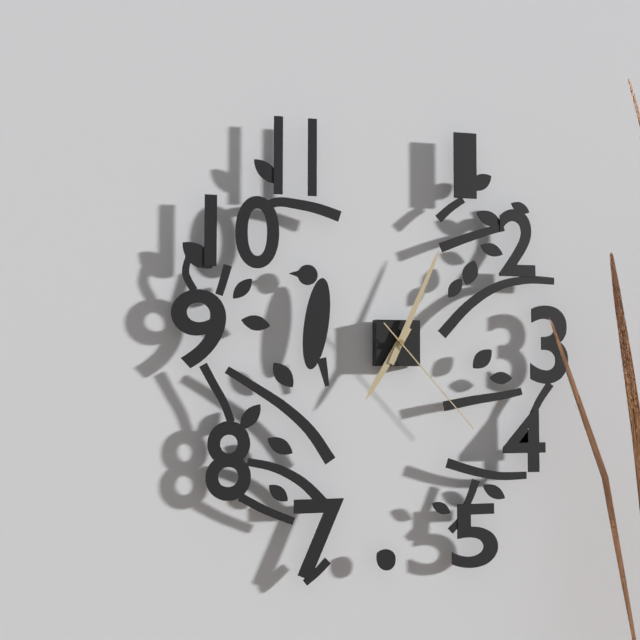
7,04,23
